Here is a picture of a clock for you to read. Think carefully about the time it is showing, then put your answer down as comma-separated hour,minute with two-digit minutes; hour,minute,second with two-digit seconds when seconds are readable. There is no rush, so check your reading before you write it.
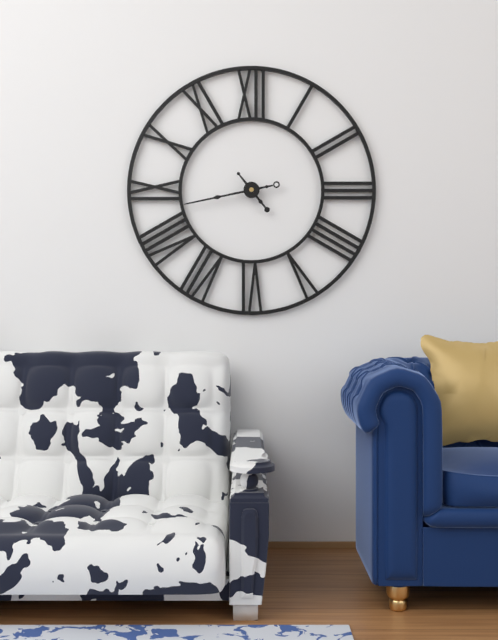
4,43
